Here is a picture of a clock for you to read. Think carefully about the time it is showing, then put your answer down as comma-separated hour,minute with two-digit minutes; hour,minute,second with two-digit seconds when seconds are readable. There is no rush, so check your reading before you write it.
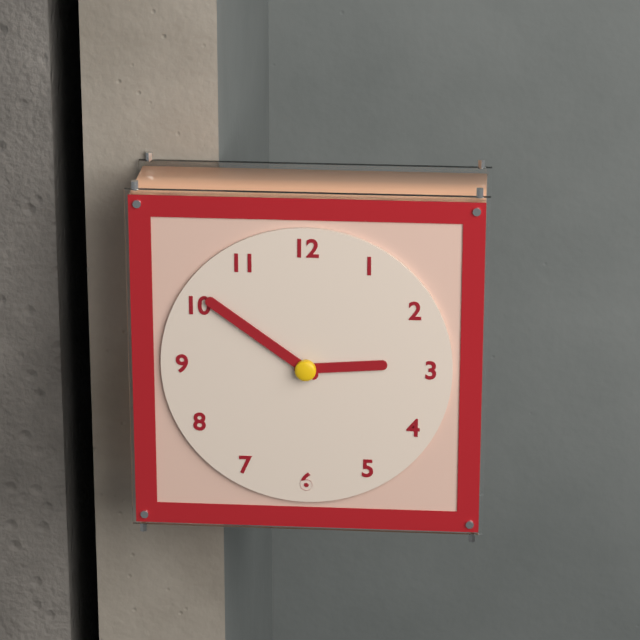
2,51
